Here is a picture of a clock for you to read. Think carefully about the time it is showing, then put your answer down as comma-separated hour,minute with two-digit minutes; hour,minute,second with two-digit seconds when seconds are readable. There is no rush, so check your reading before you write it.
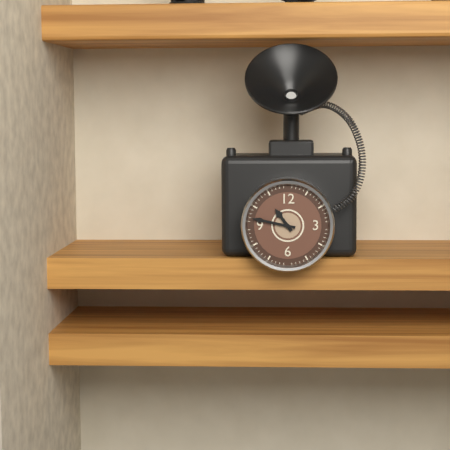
10,47
